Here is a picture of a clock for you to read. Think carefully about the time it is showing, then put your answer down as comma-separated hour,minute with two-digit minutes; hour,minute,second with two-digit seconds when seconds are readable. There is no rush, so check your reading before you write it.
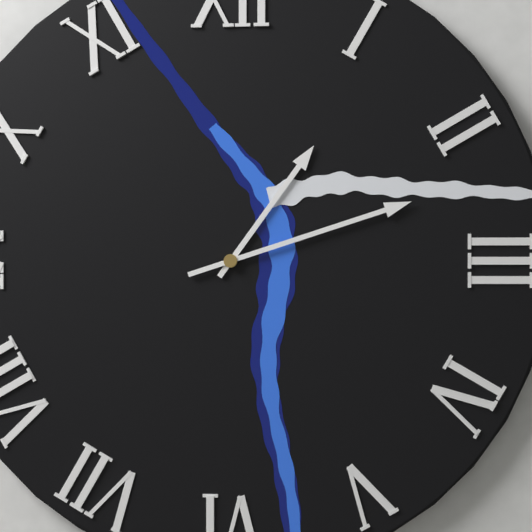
1,12
